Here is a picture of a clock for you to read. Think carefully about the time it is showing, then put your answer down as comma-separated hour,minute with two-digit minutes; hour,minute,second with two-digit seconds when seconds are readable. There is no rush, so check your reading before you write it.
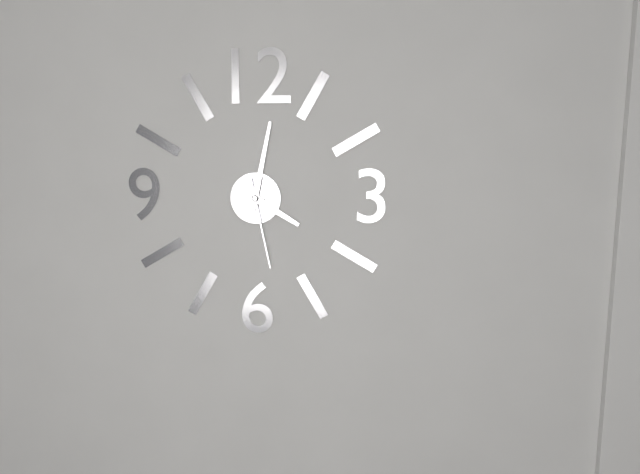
4,02,28
